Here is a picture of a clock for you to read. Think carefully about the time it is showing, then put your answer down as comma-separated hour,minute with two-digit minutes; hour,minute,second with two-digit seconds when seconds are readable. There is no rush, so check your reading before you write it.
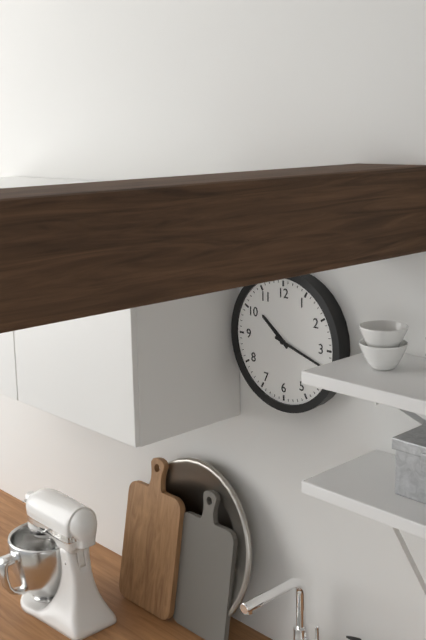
10,18
